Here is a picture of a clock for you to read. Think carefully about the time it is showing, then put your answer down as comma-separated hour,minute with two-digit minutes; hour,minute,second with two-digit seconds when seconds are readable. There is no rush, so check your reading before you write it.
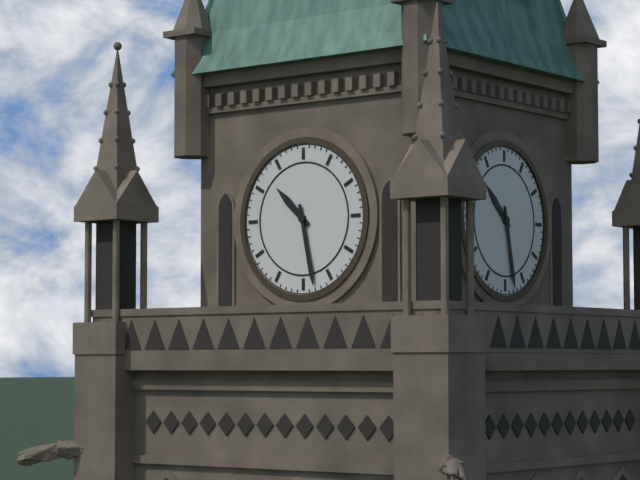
10,28
